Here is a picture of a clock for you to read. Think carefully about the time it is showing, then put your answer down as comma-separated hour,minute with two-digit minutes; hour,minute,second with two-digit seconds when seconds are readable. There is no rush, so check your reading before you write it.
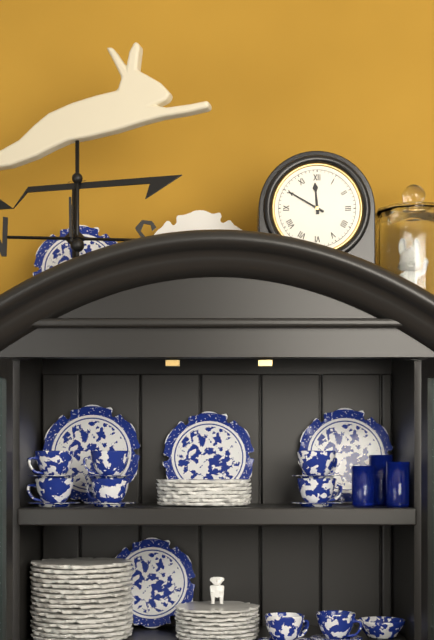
11,50
